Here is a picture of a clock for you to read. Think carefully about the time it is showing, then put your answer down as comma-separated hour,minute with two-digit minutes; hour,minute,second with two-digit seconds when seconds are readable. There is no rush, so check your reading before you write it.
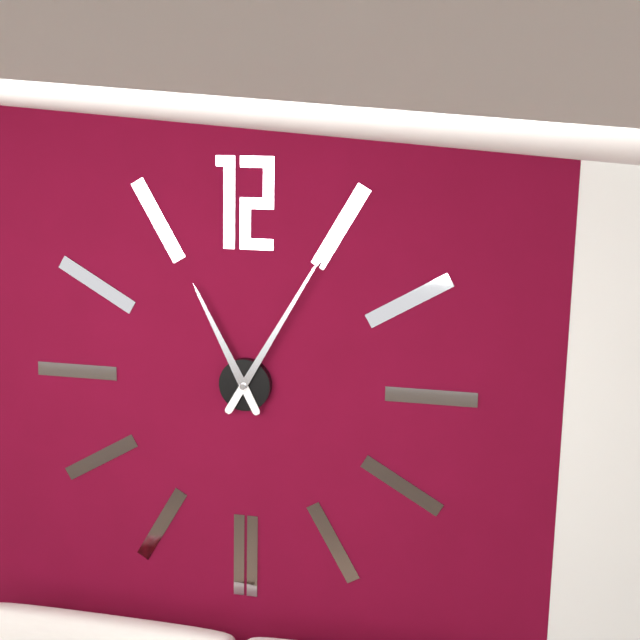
11,05
